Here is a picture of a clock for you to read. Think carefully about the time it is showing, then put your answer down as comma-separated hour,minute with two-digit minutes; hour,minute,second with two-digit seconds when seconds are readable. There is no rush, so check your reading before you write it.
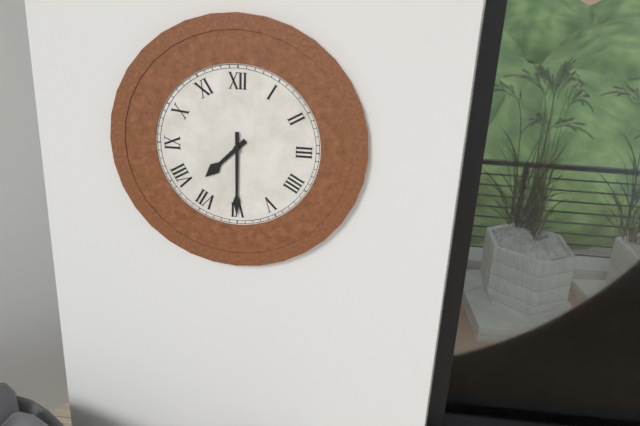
7,30
